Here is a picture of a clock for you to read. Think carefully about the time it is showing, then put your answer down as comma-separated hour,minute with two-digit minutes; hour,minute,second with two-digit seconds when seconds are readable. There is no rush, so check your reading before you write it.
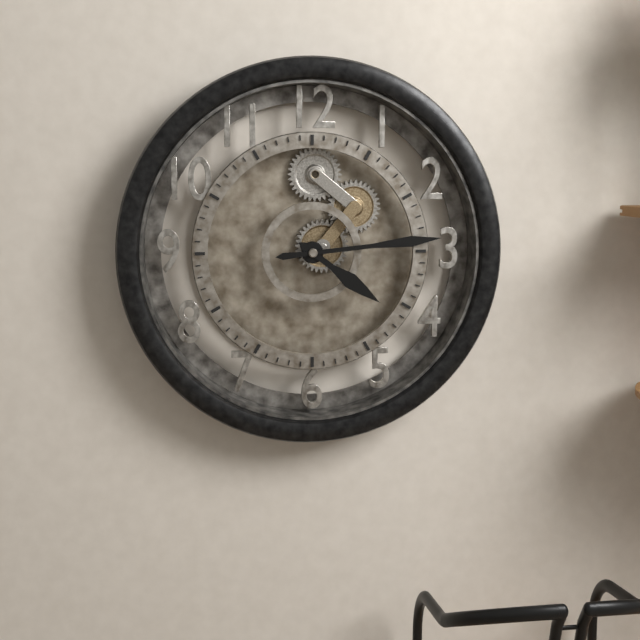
4,14
